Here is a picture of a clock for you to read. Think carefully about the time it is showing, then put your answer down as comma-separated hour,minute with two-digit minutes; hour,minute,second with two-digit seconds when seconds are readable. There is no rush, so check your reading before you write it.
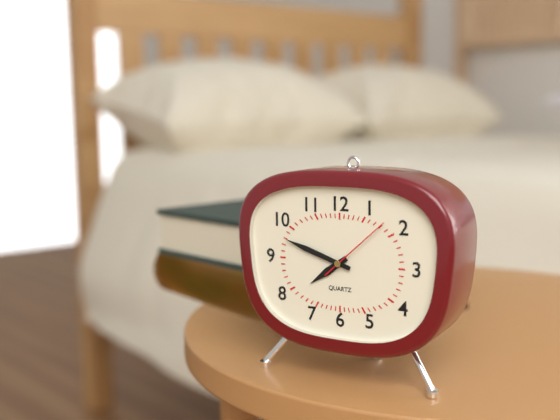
7,48,08
